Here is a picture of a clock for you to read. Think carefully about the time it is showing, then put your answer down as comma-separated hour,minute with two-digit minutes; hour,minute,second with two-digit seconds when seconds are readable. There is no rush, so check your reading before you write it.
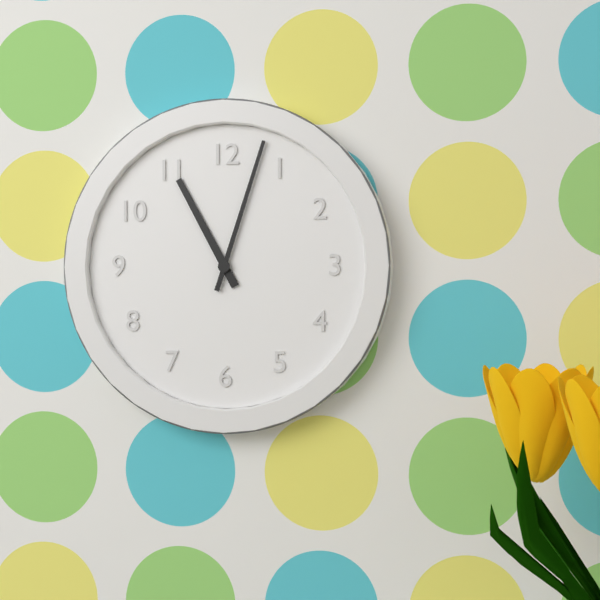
11,03
